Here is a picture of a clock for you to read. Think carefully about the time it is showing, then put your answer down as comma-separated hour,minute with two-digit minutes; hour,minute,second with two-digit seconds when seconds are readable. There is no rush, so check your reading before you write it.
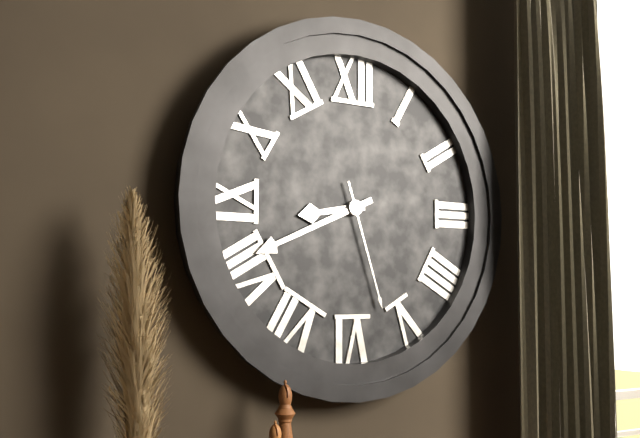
8,41,27
